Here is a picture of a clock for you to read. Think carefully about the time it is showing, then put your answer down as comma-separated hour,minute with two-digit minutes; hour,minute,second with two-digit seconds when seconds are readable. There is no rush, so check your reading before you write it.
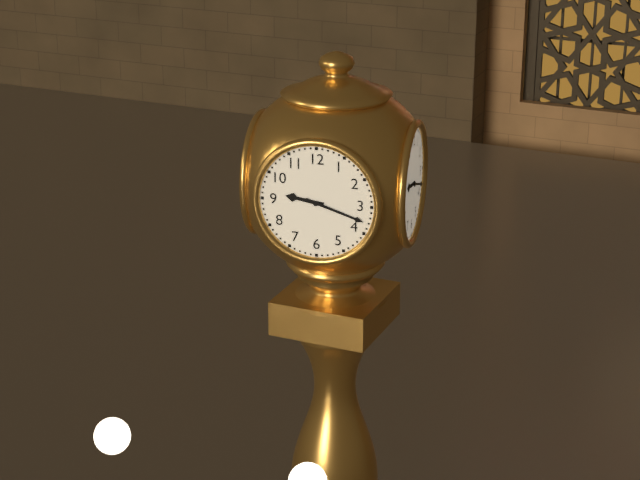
9,18
